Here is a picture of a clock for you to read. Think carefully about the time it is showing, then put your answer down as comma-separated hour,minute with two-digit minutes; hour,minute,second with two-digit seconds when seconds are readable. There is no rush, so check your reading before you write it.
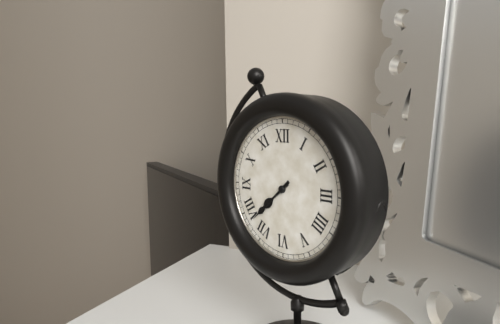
7,38
